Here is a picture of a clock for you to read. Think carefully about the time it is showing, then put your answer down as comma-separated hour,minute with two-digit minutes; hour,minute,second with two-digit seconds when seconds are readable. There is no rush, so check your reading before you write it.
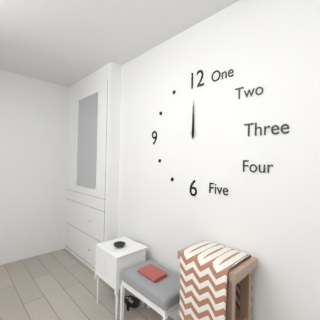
12,00
